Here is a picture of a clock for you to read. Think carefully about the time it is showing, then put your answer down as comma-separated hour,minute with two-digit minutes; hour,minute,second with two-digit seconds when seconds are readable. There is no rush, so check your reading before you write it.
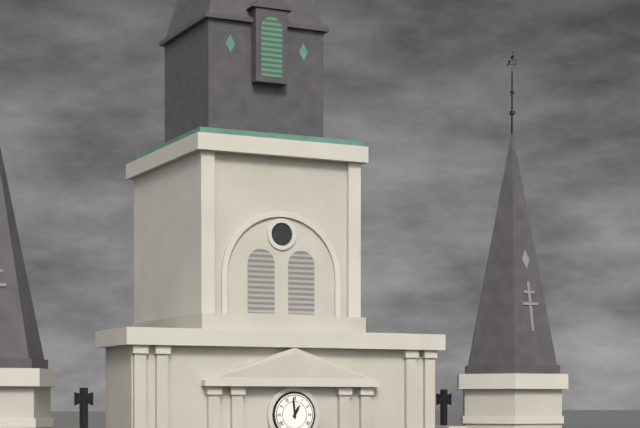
12,59
